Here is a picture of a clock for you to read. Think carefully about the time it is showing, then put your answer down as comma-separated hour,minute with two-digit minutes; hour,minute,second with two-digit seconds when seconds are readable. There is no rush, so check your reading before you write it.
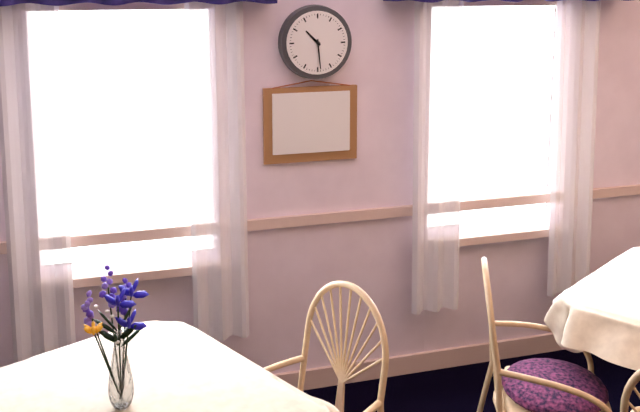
10,29
